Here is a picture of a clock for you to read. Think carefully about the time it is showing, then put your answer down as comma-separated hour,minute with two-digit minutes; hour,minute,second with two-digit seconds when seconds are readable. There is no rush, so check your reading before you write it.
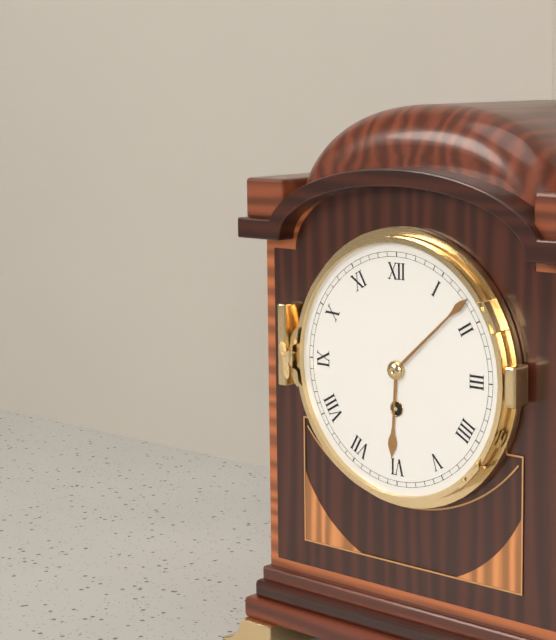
6,08
